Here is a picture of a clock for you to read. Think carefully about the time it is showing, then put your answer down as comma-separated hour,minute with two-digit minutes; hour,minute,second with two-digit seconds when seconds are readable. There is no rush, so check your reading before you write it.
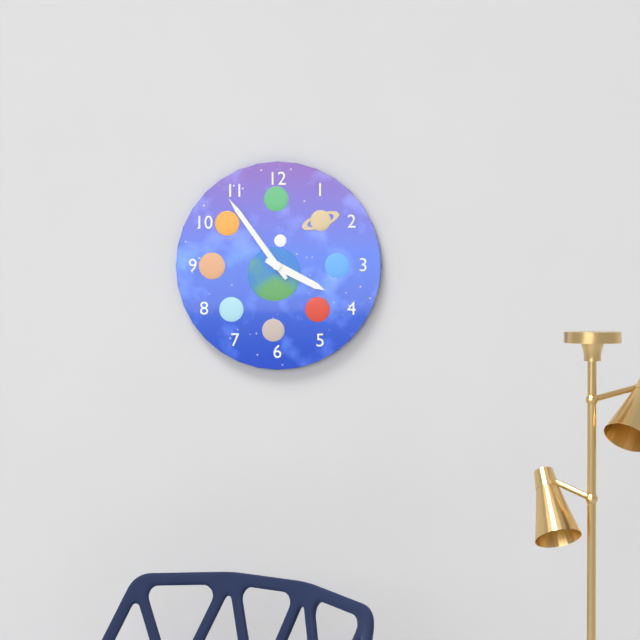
3,54
